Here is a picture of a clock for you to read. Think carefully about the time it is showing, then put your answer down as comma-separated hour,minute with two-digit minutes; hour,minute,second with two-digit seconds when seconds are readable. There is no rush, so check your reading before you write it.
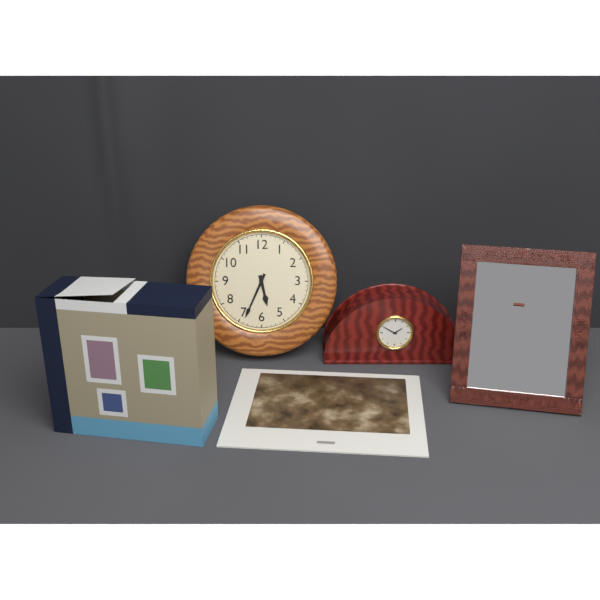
5,34
